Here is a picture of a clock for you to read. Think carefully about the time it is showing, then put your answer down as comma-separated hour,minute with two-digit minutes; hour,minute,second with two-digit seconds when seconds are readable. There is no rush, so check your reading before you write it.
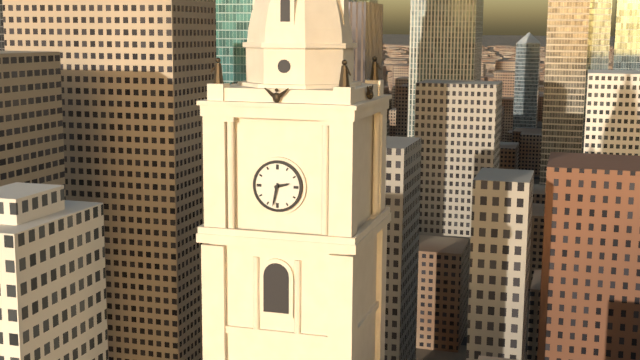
2,32
